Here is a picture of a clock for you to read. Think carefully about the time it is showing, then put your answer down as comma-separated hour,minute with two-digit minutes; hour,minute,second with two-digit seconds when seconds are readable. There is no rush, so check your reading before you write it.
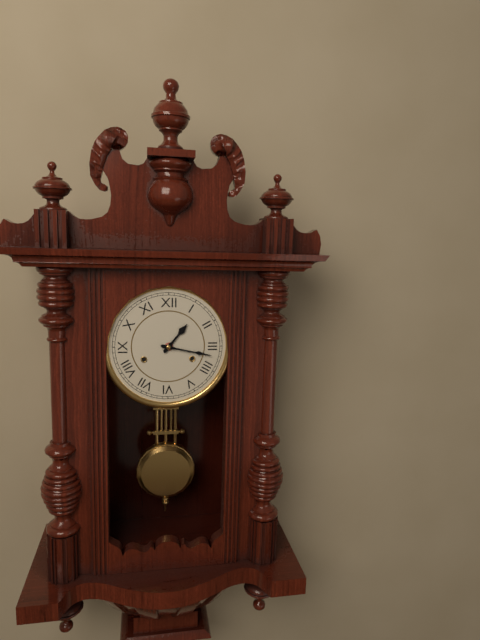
1,17
